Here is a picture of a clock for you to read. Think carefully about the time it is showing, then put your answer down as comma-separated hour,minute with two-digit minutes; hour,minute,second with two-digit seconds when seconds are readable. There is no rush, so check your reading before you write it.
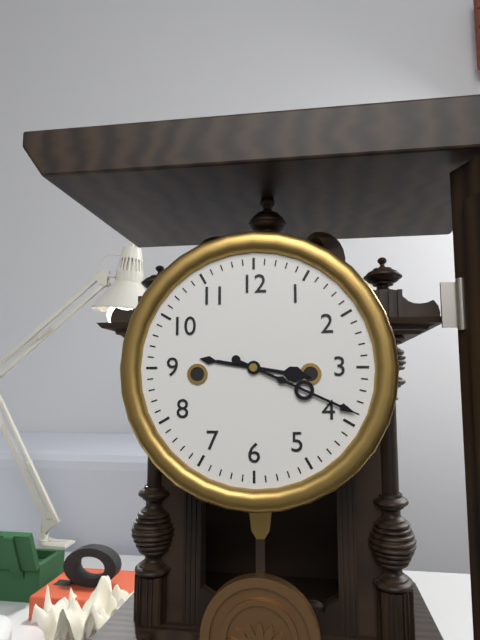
3,19
